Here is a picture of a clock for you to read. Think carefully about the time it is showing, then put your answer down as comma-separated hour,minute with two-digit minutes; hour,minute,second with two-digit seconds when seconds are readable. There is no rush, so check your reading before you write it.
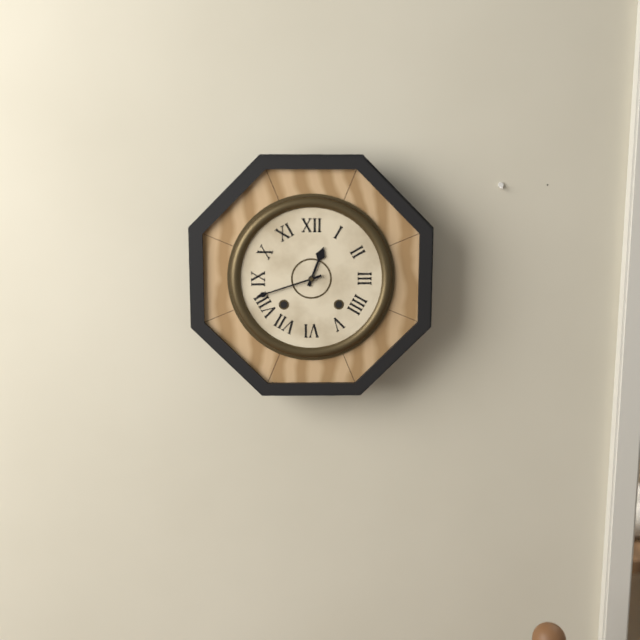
12,42
